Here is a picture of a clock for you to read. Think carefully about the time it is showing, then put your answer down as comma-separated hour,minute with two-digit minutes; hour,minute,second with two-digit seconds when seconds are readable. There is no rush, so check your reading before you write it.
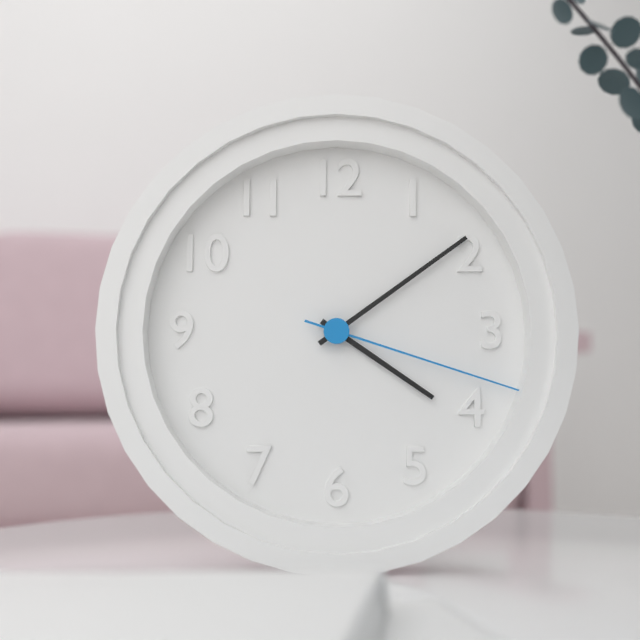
4,09,18
